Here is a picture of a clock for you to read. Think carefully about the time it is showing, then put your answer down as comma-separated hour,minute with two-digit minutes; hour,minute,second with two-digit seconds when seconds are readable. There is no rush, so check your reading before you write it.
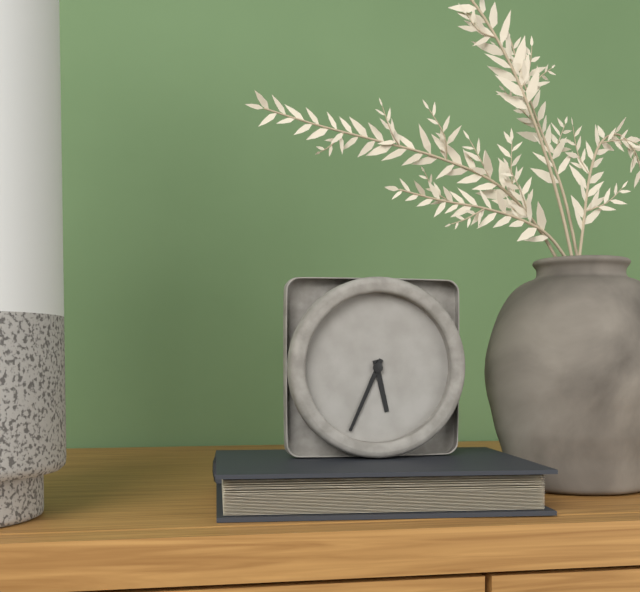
5,34
